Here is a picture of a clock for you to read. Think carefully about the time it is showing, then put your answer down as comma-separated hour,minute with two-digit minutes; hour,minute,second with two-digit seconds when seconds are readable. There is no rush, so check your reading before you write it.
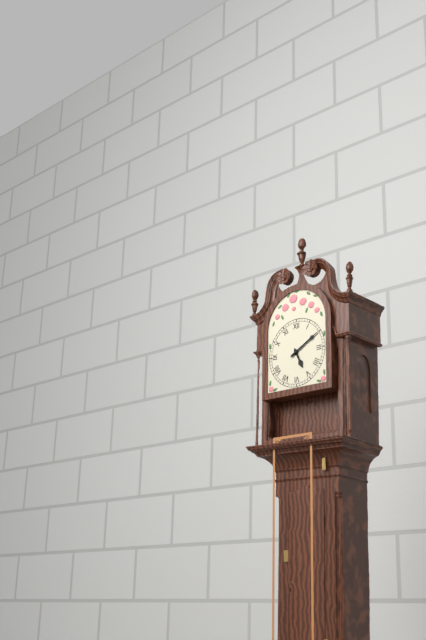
5,10
